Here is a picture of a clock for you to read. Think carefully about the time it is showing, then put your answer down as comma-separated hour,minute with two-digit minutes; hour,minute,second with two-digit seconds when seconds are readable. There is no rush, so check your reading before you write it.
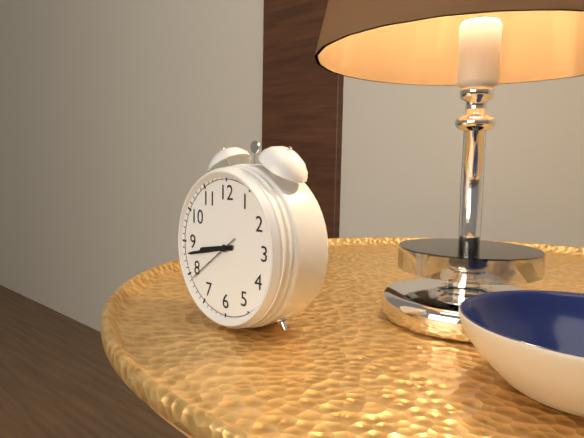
8,43,39
